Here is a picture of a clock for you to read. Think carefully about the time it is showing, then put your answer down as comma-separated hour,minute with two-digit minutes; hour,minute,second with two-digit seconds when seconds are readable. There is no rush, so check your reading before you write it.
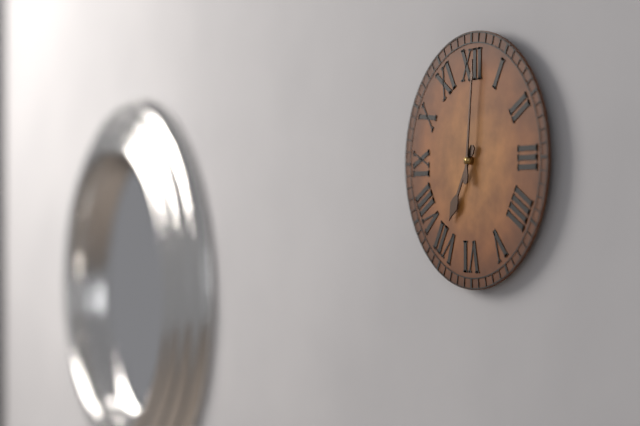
7,01
